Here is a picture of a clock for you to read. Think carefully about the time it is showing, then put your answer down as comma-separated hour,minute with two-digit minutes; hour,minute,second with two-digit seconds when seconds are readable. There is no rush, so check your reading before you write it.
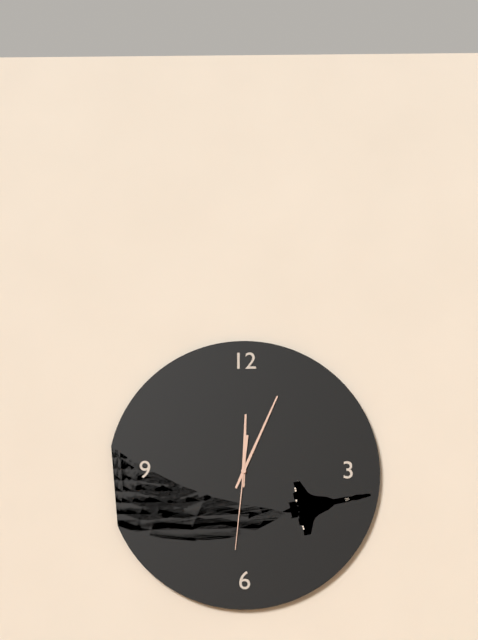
12,04,31
